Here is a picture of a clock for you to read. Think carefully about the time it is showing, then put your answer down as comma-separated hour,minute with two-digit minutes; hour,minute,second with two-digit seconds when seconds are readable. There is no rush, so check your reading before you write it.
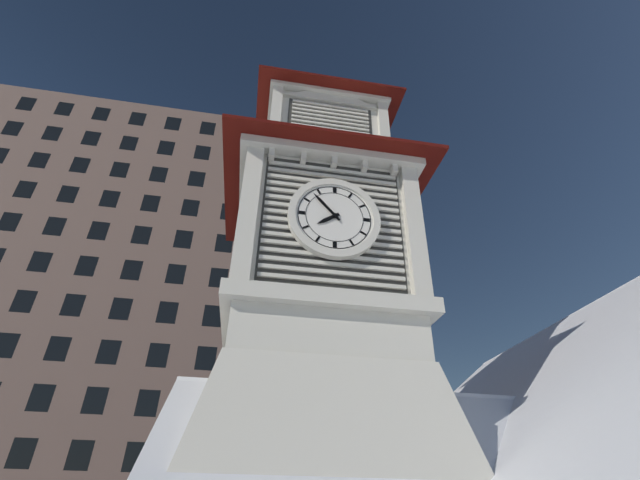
7,53
